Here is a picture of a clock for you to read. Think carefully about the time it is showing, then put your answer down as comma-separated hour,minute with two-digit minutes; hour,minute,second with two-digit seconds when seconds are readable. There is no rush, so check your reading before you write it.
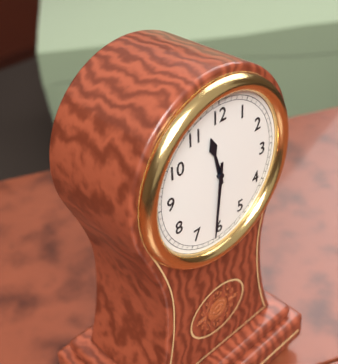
11,31
